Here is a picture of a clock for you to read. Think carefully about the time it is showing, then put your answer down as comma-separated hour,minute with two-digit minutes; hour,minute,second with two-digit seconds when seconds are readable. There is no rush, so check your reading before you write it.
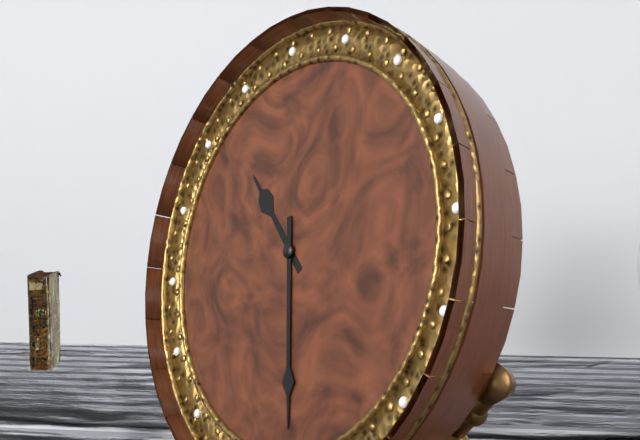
10,28
